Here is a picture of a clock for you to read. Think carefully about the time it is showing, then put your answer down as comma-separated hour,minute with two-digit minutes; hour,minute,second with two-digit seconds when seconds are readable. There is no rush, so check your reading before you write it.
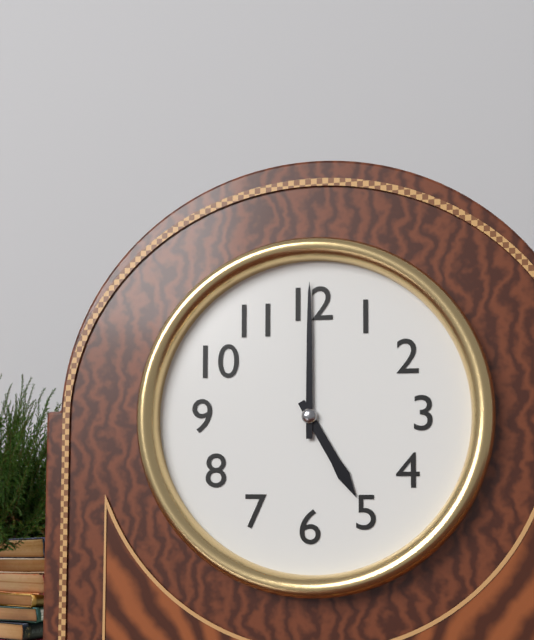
5,00
